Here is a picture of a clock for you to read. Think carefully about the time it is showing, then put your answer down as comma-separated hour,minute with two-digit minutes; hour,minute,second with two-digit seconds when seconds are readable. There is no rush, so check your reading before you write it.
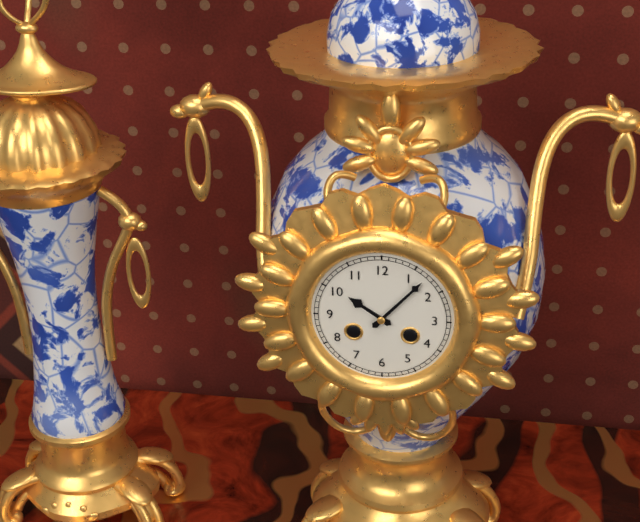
10,07
